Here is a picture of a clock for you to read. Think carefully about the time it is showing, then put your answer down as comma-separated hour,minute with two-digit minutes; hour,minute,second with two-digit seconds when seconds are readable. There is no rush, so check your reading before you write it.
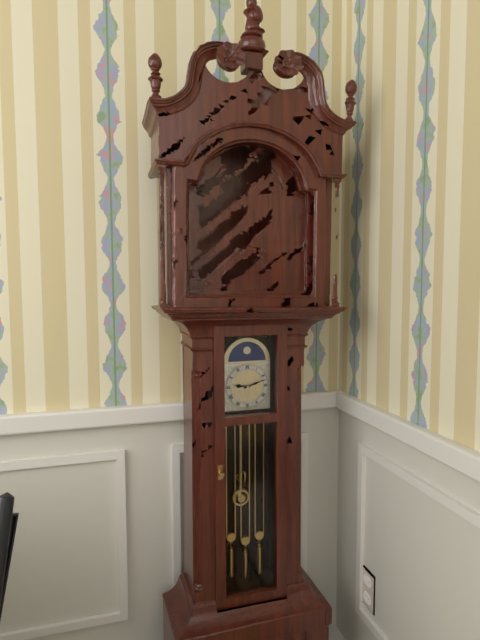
9,12
